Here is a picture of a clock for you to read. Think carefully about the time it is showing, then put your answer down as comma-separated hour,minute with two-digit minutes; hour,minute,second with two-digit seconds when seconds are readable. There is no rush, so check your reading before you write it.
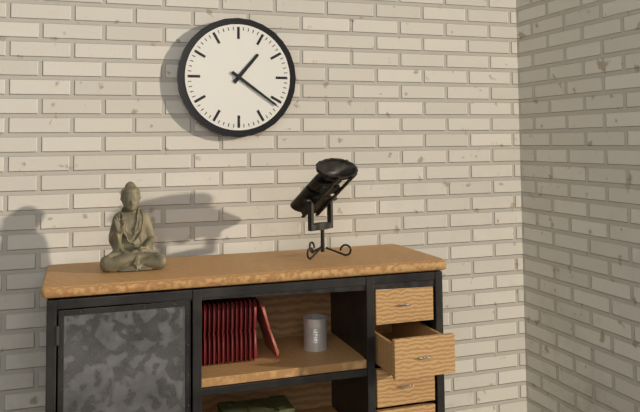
1,21
